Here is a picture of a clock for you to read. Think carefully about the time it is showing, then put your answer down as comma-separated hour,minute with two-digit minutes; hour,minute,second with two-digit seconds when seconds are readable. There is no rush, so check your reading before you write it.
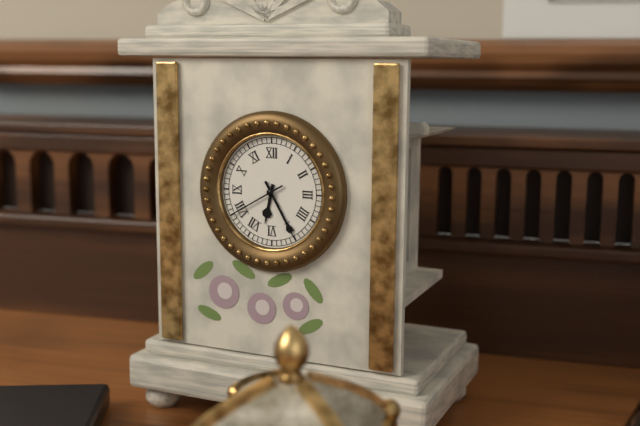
6,25,40
